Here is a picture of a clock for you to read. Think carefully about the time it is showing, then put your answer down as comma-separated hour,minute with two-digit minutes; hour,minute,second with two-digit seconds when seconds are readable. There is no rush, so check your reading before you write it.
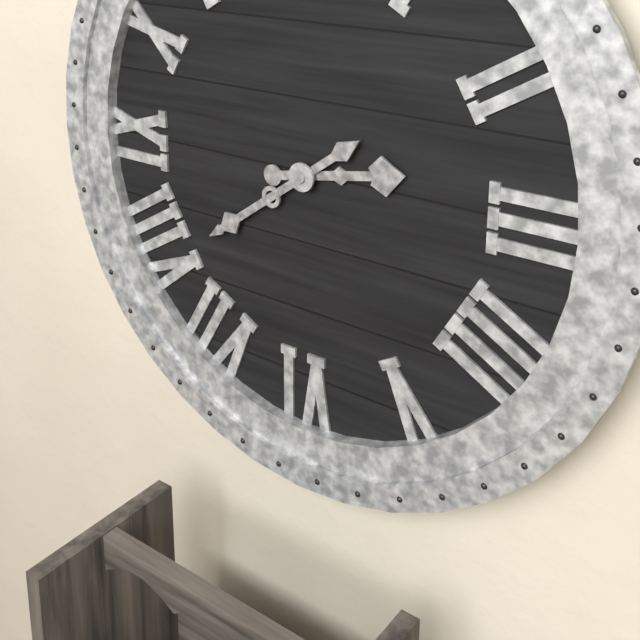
2,39
